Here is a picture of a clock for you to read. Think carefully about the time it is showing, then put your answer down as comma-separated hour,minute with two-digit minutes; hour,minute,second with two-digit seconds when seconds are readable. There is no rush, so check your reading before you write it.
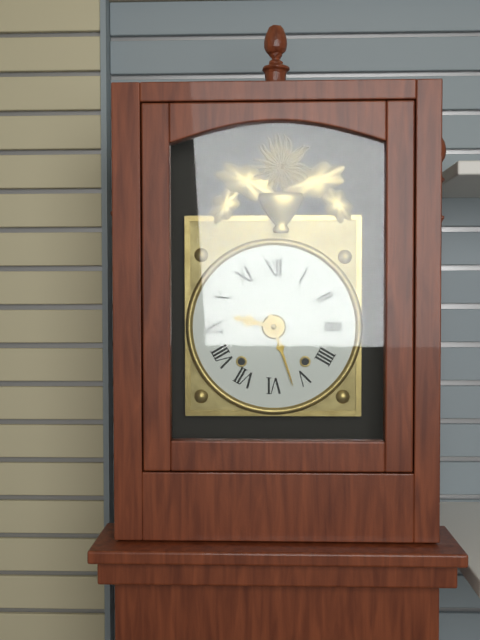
9,27
